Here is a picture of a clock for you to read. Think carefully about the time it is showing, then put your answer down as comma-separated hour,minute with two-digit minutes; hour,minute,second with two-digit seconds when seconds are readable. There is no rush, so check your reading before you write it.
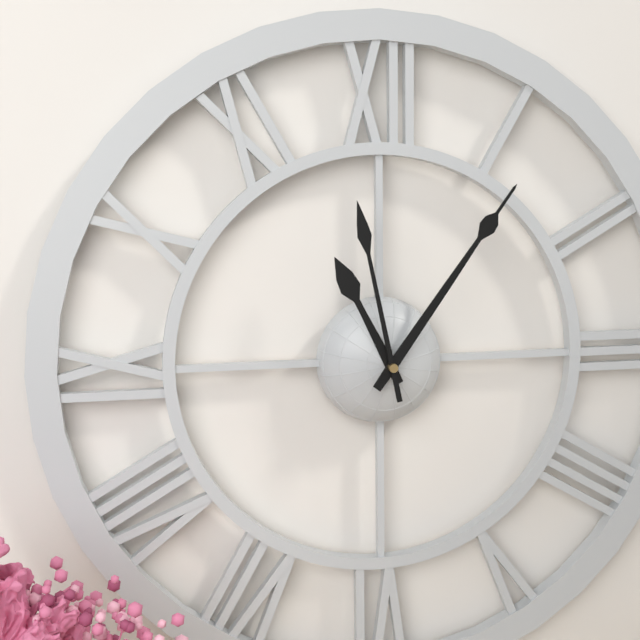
11,06,58
